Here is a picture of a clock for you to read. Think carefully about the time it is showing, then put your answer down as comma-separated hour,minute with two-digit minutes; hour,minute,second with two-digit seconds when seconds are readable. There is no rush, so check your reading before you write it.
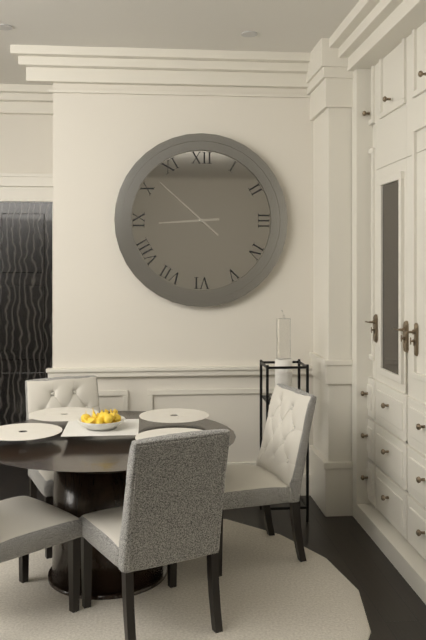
8,52
